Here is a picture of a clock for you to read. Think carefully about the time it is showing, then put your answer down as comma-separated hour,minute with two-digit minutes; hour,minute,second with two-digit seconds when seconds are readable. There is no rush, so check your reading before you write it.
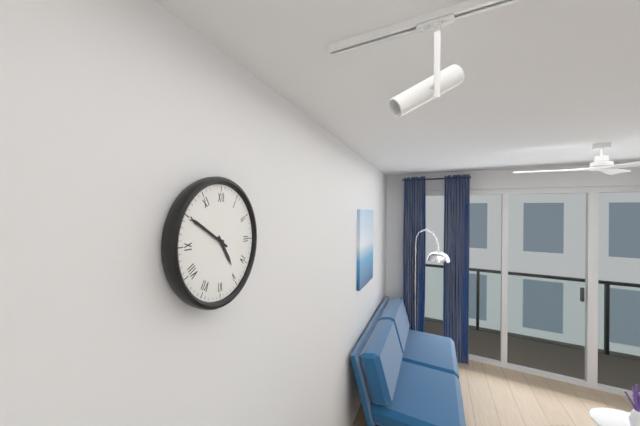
4,50
